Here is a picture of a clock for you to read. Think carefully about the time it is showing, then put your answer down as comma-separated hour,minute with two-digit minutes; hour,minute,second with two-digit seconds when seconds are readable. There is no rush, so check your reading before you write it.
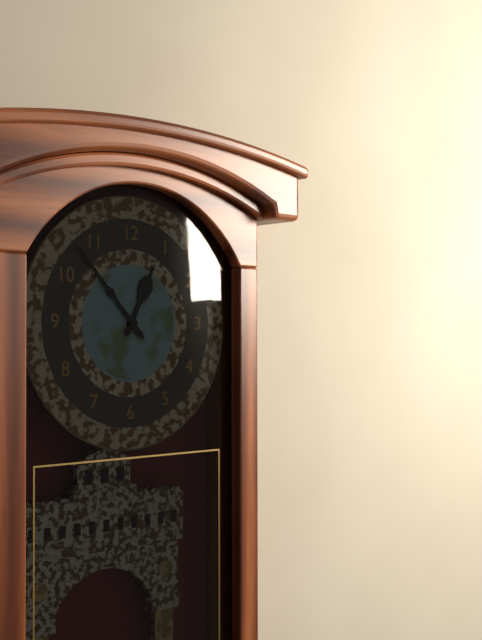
12,53
